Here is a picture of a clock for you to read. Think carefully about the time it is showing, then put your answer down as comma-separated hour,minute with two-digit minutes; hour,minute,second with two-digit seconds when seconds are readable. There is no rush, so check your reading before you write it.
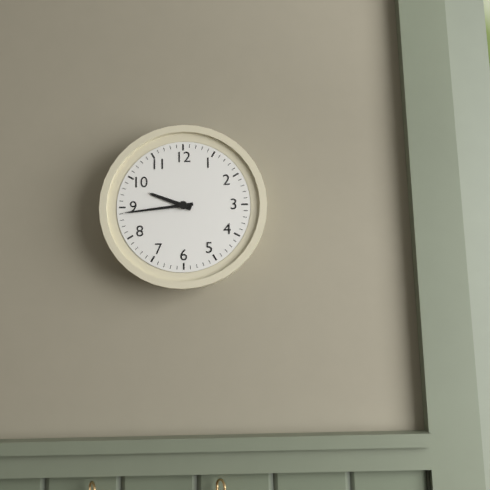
9,44
